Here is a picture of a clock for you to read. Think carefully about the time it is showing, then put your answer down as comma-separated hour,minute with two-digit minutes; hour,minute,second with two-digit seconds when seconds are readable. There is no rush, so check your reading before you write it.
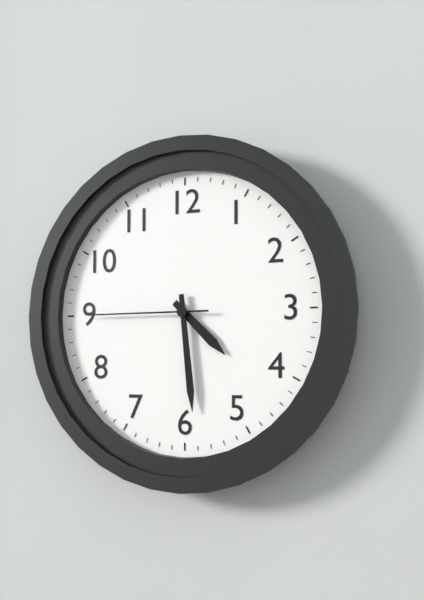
4,29,45
